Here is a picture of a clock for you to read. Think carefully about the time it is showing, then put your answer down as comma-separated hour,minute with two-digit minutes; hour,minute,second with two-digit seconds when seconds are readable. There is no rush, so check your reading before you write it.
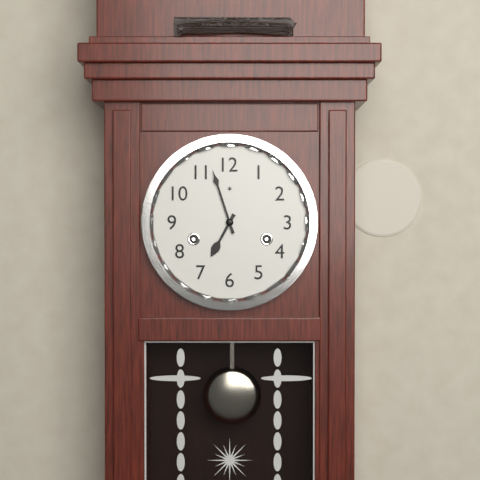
6,57
